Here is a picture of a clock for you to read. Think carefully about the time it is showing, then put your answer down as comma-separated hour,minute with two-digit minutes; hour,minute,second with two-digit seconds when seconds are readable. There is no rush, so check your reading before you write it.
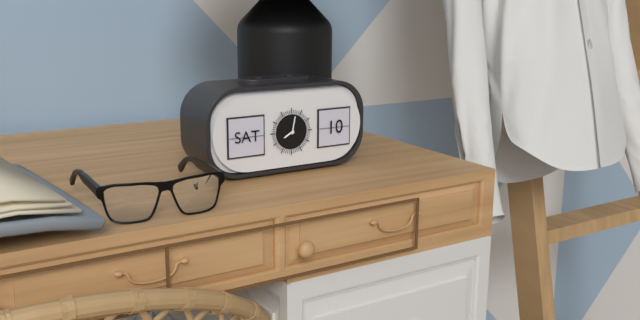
8,02
